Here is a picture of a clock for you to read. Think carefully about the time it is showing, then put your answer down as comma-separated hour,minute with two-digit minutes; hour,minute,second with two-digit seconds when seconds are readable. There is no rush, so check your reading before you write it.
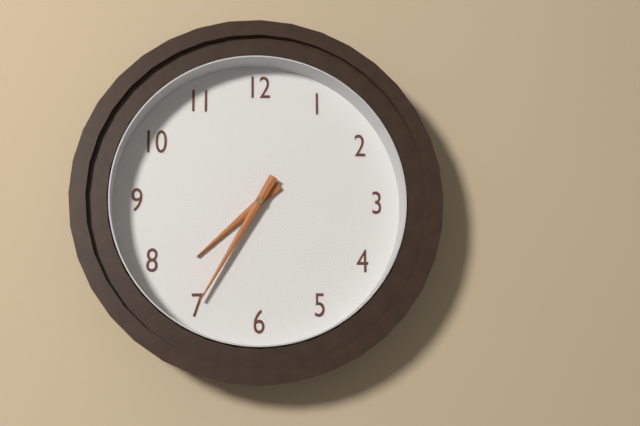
7,35
